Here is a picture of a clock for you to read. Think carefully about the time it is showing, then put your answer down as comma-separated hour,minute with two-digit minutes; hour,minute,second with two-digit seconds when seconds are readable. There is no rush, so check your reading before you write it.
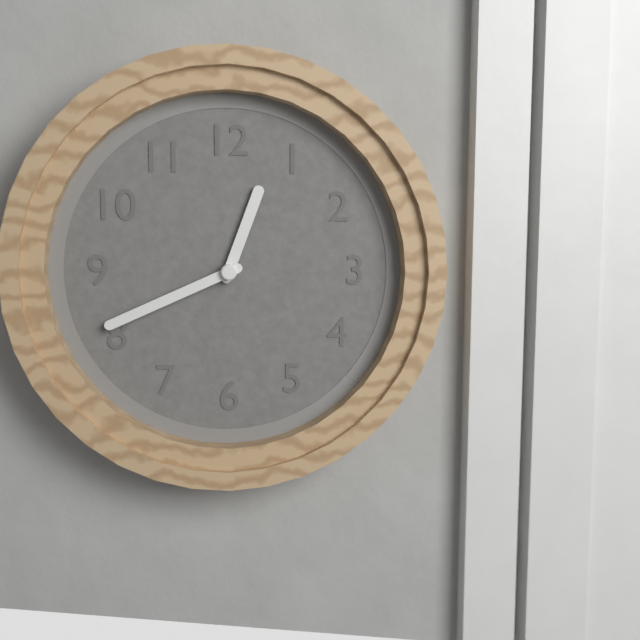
12,41
